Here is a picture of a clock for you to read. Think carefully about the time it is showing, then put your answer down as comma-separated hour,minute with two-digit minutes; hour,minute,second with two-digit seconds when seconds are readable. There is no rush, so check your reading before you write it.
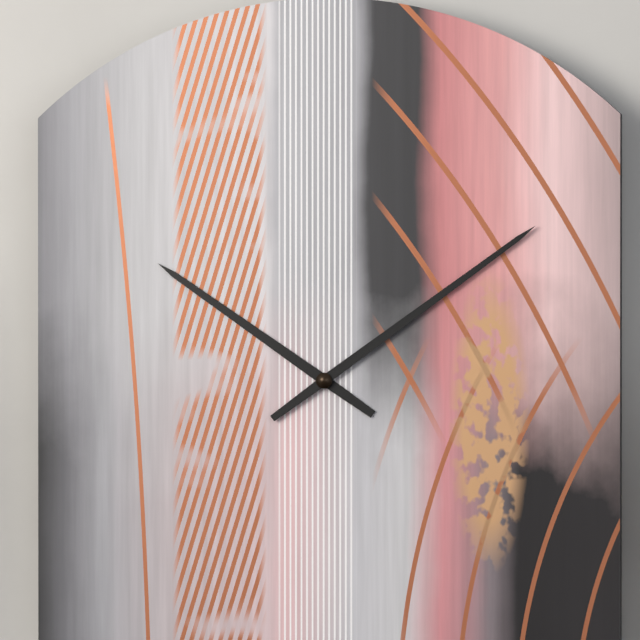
10,09
